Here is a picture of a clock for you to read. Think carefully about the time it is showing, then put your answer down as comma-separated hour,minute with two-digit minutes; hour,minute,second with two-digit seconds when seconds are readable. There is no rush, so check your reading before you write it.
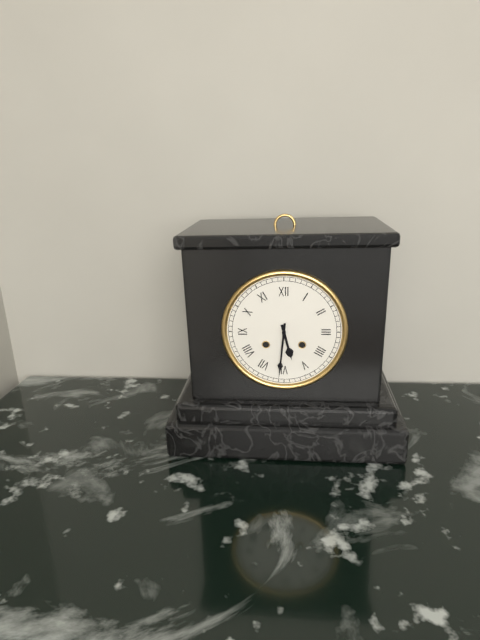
5,31
